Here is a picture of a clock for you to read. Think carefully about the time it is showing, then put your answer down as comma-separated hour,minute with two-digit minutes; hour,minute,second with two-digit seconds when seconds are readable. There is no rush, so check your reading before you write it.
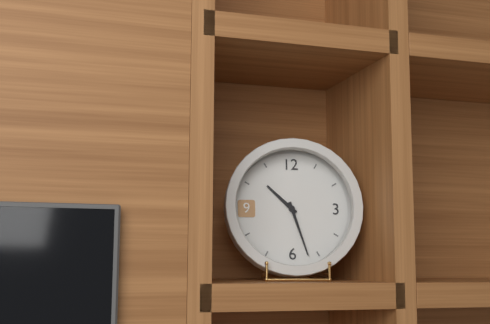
10,27
